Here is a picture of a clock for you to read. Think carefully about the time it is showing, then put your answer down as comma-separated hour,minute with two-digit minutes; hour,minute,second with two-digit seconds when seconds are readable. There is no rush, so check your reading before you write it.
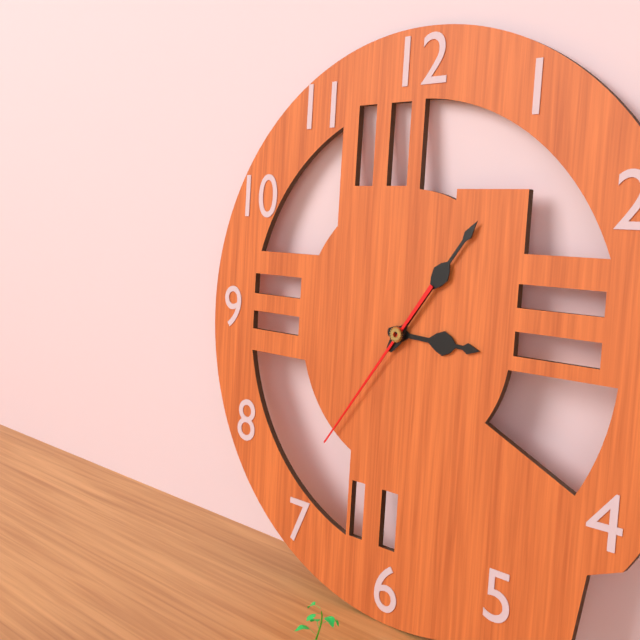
3,06,36
